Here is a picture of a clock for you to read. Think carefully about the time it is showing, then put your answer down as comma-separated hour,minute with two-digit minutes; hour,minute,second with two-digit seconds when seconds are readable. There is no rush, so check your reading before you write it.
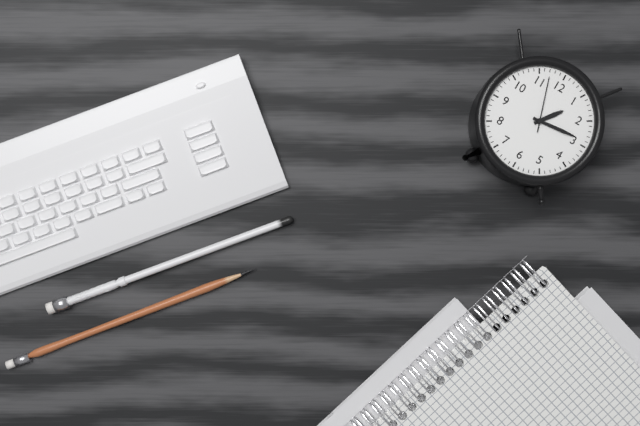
1,14,57
